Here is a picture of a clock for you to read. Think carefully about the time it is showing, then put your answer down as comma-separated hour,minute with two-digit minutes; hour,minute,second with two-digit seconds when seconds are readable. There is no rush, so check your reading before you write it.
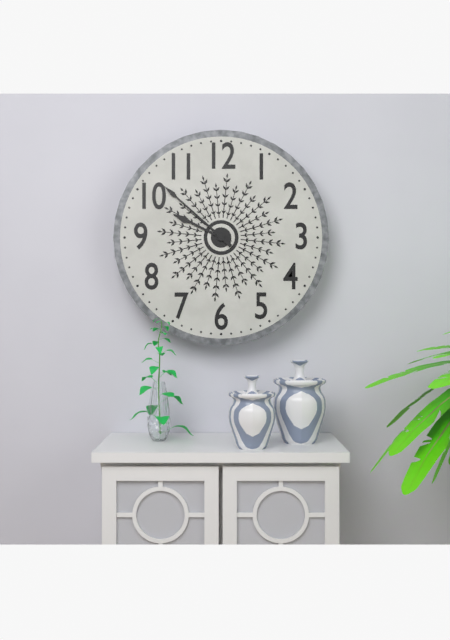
9,52
